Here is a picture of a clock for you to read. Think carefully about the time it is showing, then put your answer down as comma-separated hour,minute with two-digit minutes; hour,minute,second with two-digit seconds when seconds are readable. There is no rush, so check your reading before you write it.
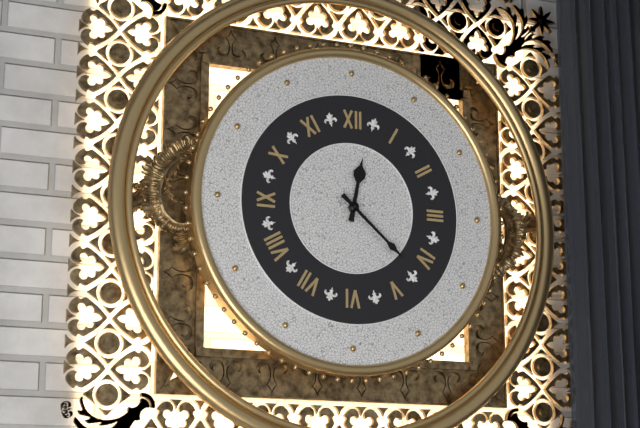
12,22
